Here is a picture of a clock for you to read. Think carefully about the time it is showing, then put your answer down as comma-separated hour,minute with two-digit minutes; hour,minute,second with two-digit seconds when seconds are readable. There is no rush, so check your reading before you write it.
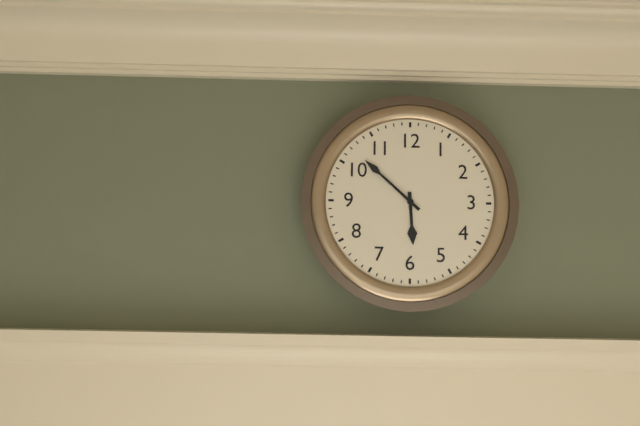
5,52
